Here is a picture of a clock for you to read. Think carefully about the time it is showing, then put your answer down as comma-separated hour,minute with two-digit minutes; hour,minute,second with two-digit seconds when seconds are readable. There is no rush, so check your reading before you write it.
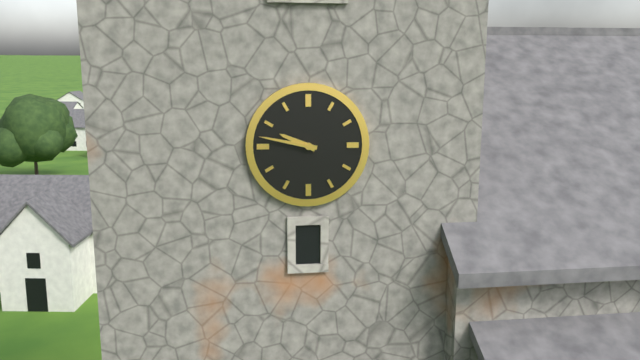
9,47
